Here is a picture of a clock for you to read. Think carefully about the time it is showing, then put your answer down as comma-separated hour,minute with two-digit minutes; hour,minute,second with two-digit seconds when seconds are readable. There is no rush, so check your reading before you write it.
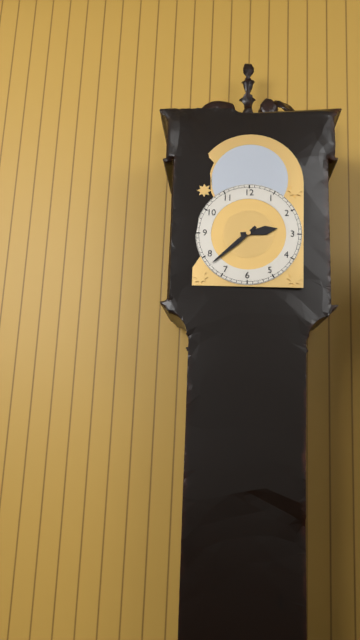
2,38
